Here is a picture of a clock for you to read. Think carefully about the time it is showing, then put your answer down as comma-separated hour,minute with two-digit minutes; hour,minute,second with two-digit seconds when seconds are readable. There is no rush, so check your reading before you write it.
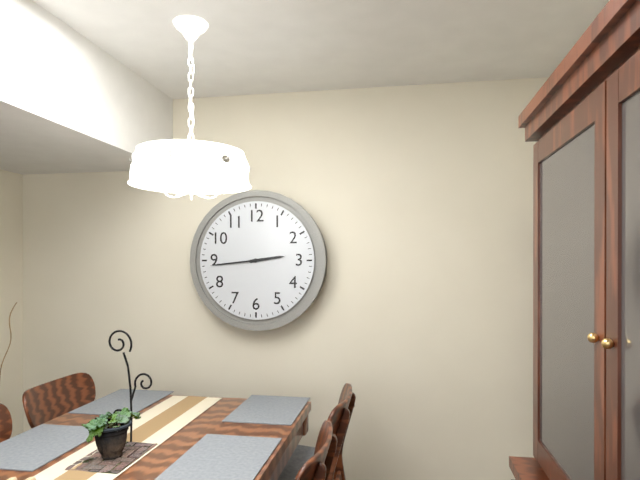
2,44
